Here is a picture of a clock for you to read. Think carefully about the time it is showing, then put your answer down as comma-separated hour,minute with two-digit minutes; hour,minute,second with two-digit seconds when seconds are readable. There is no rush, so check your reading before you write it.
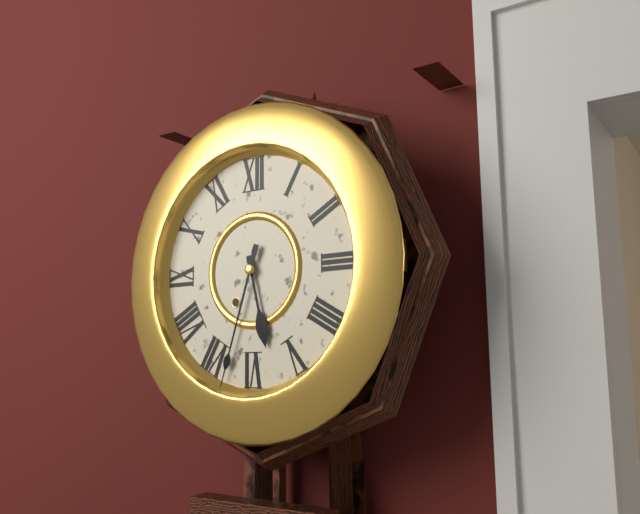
5,33
